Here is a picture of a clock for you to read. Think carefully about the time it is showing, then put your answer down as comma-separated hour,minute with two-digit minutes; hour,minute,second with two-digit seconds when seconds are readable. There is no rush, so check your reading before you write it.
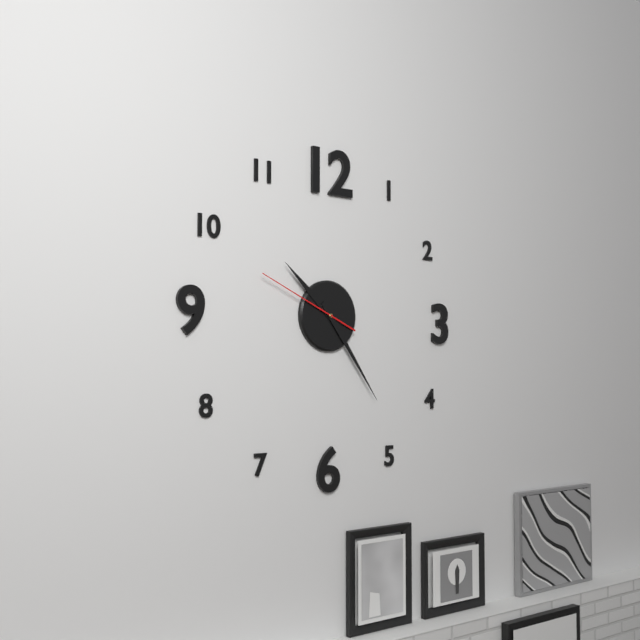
10,24,49
